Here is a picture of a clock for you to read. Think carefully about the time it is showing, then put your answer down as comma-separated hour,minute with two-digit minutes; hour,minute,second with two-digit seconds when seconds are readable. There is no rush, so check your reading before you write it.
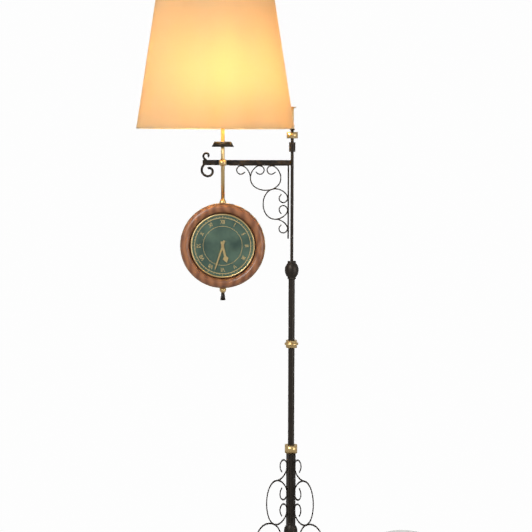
5,33
